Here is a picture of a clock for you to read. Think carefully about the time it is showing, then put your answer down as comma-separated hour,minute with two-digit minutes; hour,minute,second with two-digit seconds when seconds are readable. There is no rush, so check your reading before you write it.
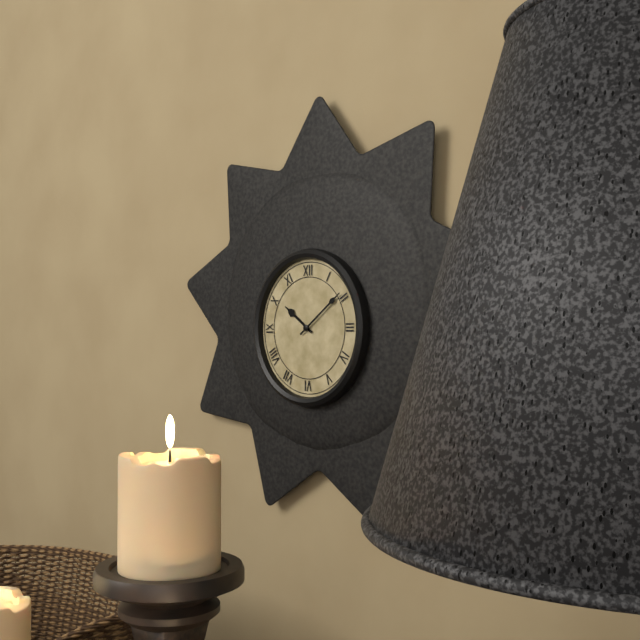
10,09
